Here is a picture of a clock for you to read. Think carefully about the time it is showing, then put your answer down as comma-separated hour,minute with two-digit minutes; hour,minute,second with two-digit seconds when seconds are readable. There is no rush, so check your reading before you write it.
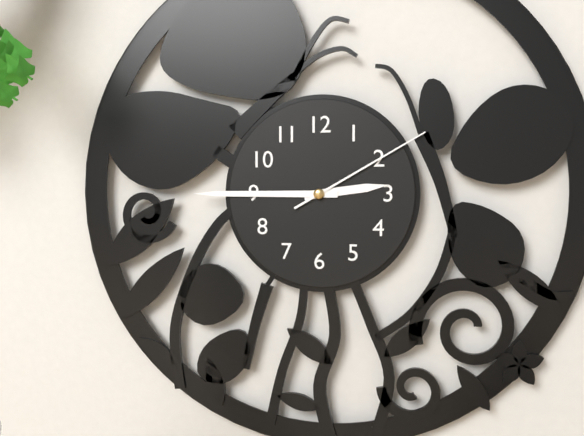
2,45,10
